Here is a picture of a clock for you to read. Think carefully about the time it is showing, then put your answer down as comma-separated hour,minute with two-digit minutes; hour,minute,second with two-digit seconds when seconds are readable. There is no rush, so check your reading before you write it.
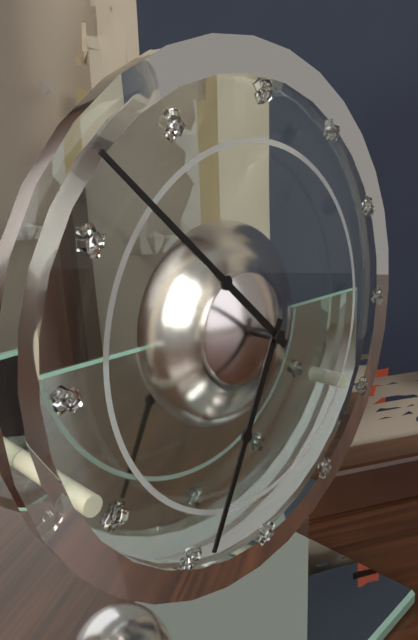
6,52
